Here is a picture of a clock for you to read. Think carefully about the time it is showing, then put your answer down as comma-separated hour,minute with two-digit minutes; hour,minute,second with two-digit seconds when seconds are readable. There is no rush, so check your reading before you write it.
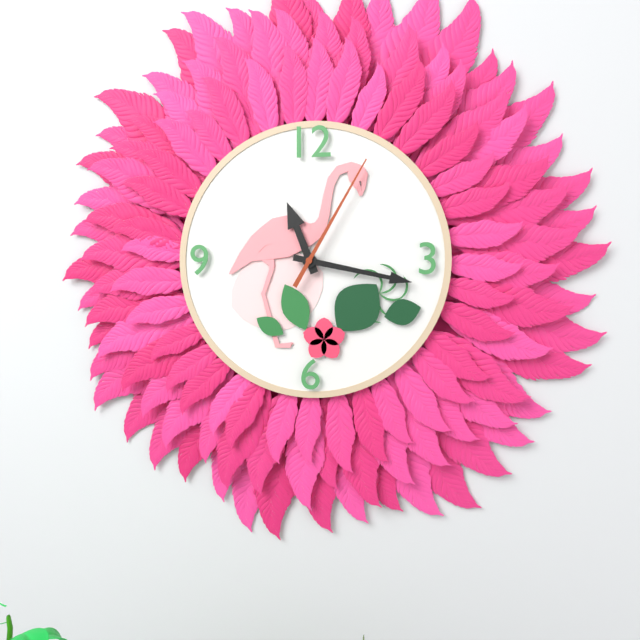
11,17,05
